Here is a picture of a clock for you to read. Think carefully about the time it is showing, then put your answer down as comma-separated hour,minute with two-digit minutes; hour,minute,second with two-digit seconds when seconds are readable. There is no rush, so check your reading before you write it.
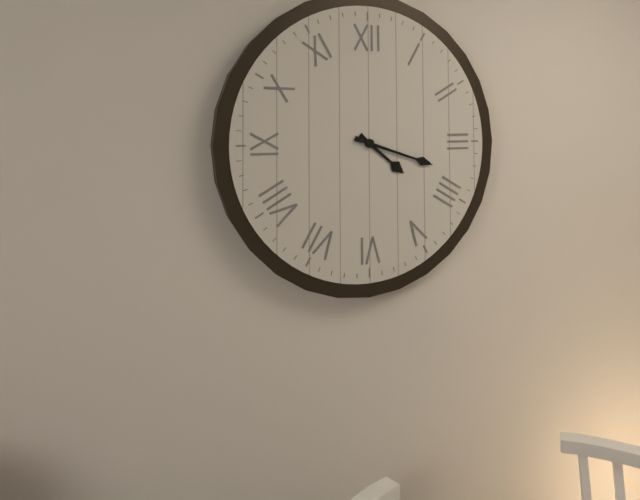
4,18
